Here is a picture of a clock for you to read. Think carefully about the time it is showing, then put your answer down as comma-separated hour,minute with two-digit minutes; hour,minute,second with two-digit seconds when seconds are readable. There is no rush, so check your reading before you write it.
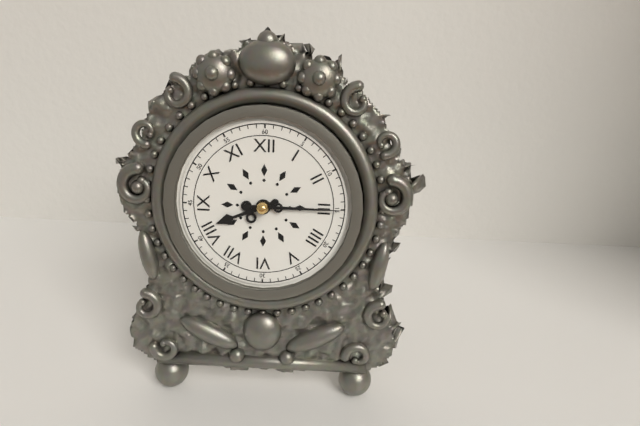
8,15
